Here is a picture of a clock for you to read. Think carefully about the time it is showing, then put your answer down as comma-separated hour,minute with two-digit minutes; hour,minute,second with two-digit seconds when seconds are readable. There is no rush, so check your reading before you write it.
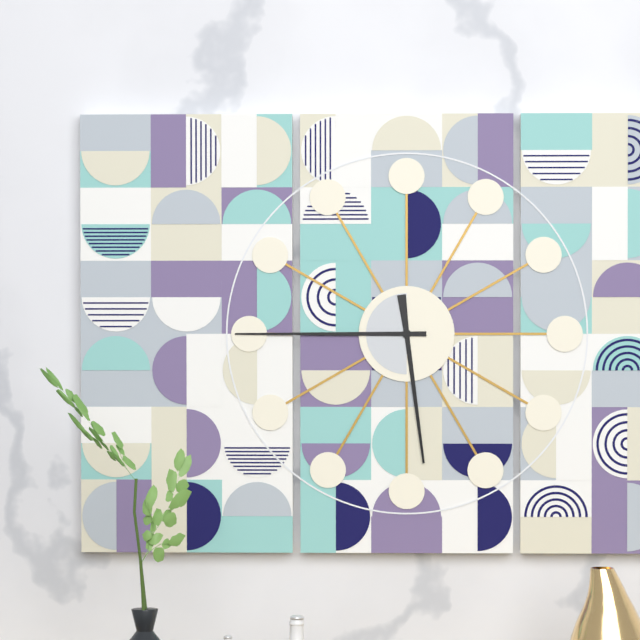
5,45
